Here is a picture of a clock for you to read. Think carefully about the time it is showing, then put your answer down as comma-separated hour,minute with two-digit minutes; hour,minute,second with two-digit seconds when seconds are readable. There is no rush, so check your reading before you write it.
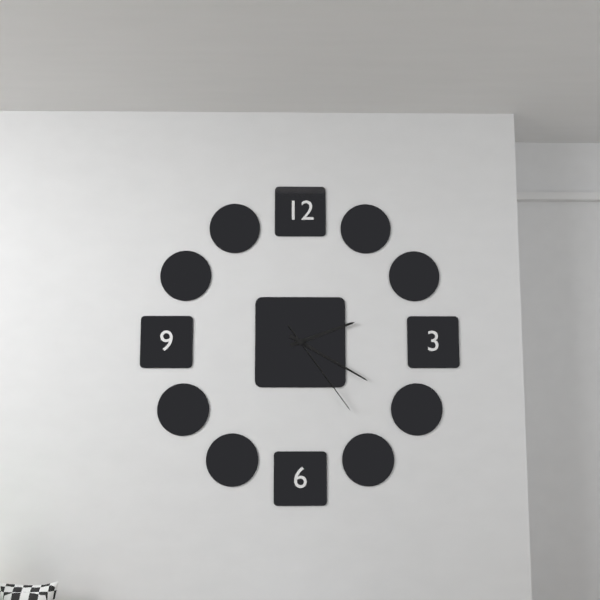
2,20,24
